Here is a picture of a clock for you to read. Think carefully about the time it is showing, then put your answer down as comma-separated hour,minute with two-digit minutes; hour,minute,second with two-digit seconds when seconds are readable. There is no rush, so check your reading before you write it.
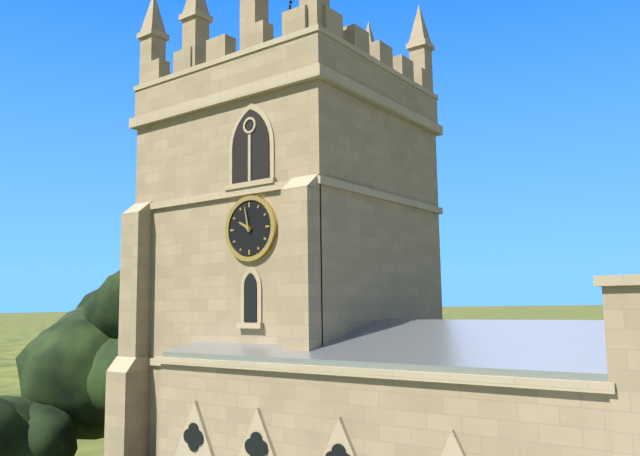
9,58
